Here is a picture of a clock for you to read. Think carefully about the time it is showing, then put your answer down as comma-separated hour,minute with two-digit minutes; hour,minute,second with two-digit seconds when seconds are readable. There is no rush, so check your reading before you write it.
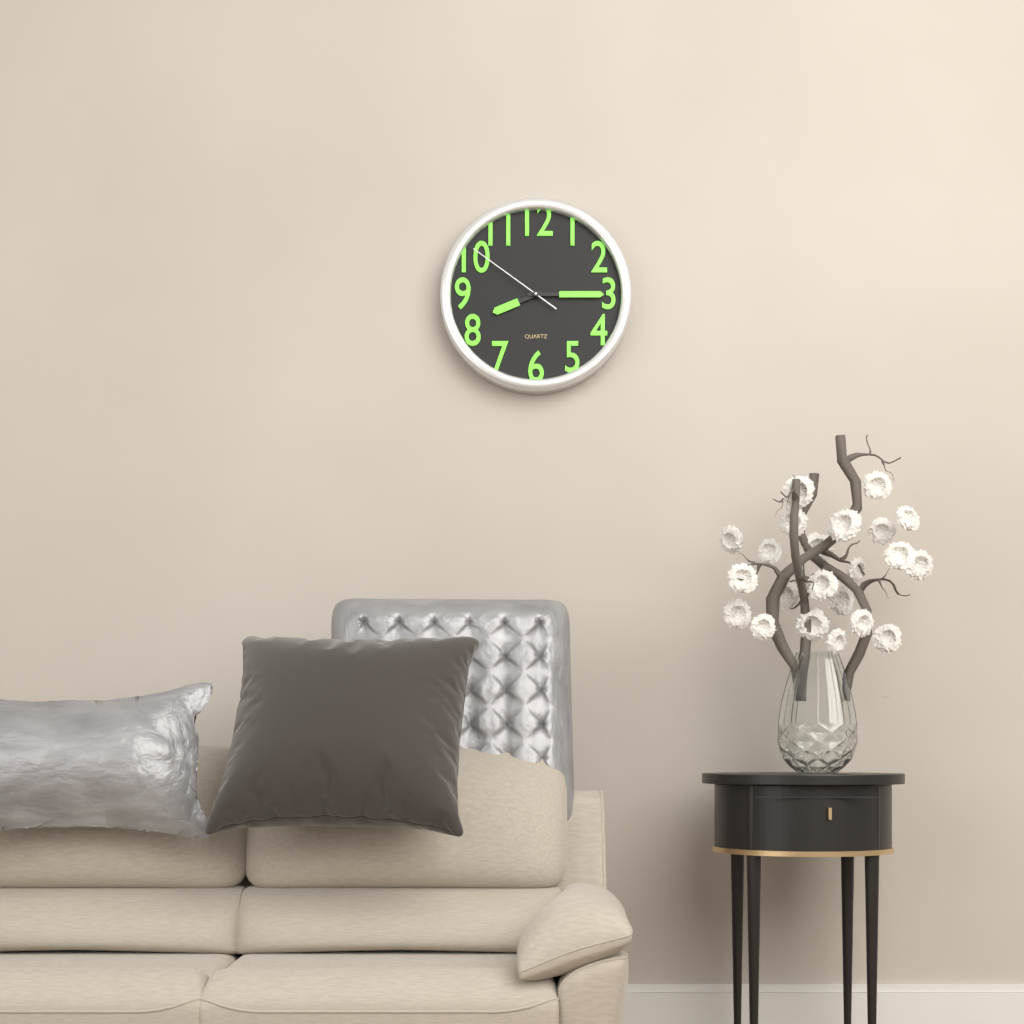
8,15,51
